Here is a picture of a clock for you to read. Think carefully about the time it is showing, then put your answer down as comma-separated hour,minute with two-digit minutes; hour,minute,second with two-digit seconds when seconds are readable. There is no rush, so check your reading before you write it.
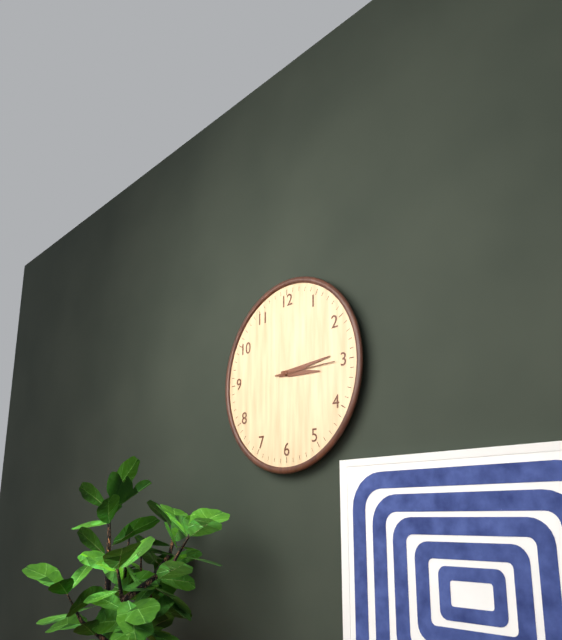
3,14,15
